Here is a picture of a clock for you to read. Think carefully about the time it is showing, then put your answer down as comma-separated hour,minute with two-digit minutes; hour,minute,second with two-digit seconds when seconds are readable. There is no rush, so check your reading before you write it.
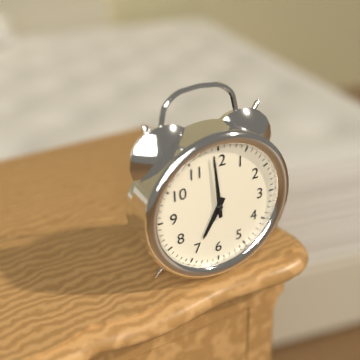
6,59
